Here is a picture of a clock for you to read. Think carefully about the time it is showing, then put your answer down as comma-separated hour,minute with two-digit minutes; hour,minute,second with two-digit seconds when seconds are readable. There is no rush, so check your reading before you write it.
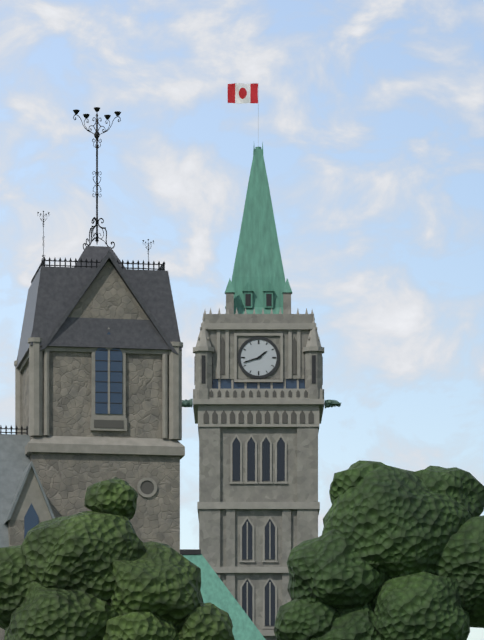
1,42
